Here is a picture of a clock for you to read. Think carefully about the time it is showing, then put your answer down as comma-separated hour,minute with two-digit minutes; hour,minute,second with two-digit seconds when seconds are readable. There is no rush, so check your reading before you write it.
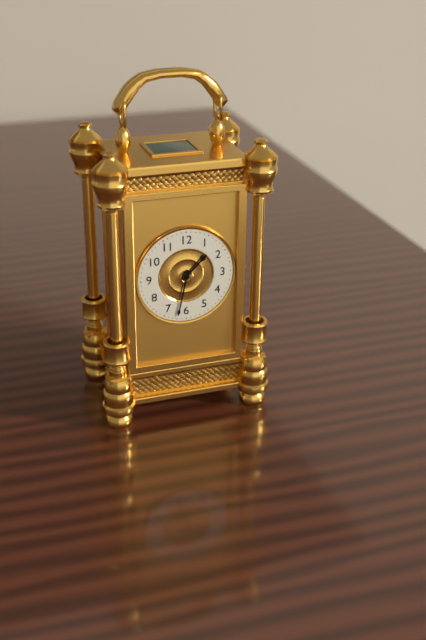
1,32
